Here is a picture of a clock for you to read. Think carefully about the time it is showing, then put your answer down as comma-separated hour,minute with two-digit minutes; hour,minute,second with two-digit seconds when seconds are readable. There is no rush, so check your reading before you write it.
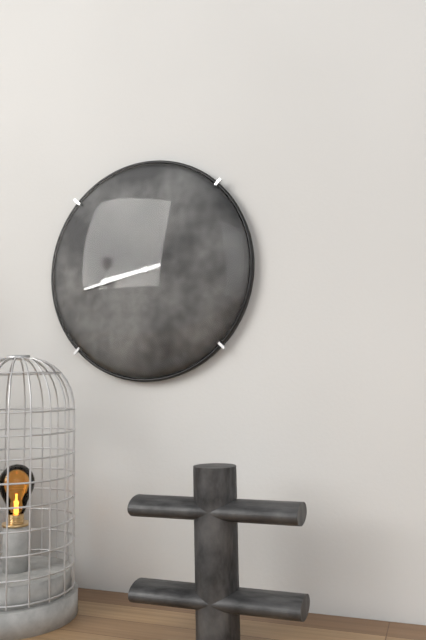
8,43
